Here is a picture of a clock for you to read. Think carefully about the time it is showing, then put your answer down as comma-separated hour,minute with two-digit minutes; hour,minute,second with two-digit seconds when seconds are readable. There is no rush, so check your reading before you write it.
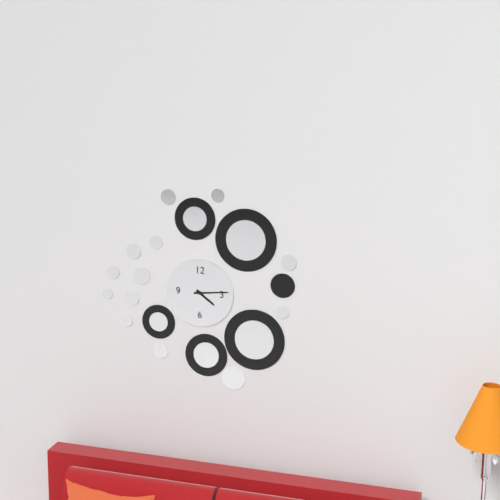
4,14
